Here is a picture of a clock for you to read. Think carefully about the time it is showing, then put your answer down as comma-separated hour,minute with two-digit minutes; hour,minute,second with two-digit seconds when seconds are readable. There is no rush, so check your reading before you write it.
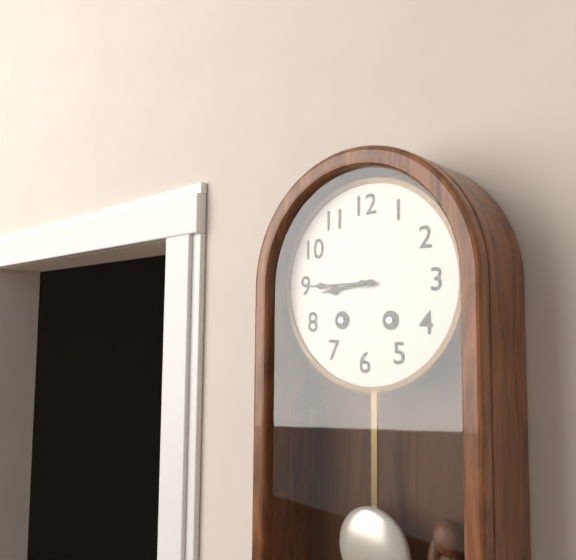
8,45
